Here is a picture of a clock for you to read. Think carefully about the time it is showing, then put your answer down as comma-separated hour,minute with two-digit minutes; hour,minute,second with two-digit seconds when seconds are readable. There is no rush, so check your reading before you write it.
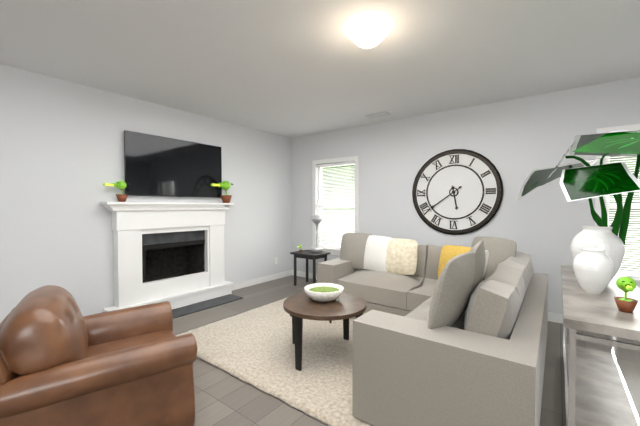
5,39
